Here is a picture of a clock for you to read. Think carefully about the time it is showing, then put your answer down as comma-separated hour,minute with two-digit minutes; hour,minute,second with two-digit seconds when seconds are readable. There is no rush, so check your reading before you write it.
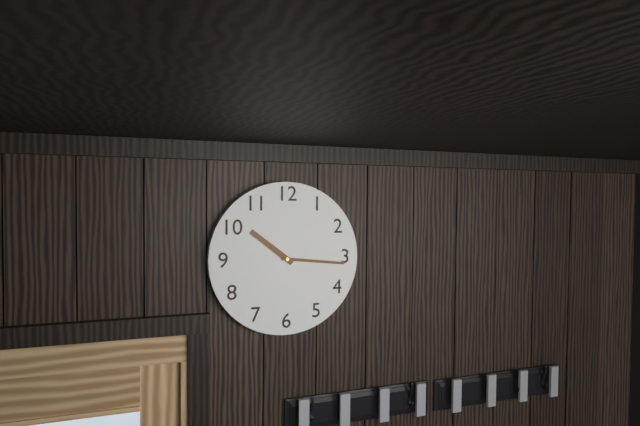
10,16
